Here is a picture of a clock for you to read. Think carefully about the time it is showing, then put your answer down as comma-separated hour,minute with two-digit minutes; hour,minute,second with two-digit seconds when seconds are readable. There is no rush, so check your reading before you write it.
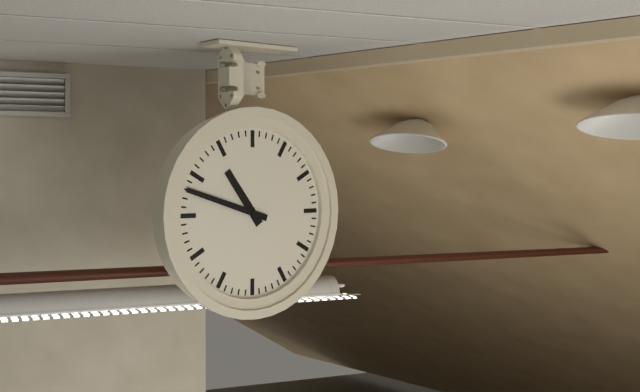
10,48
